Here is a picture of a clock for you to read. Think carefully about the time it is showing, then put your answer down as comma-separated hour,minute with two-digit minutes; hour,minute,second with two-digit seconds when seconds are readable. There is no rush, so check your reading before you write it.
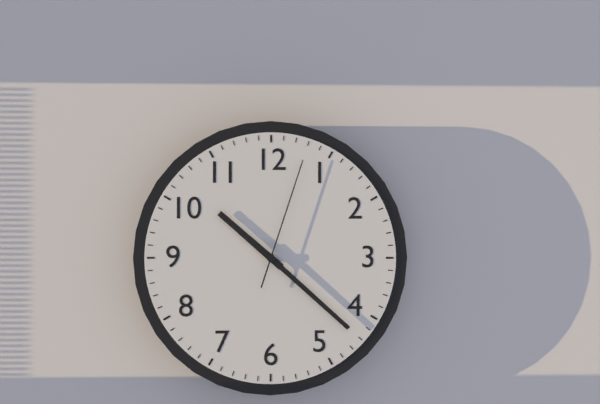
10,22,03
